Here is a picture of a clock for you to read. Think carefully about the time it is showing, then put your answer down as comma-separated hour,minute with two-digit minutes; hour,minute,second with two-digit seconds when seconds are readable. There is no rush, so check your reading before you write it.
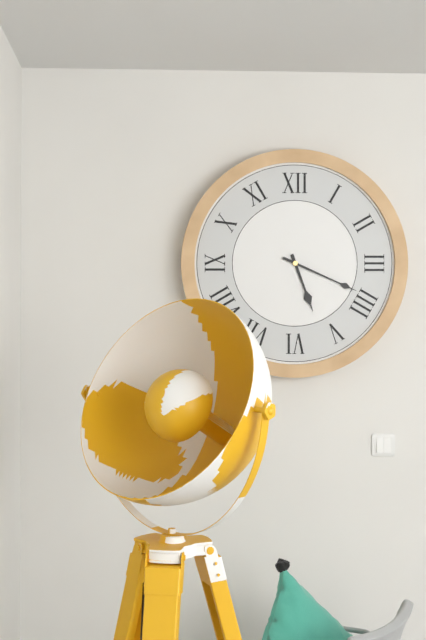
5,19
